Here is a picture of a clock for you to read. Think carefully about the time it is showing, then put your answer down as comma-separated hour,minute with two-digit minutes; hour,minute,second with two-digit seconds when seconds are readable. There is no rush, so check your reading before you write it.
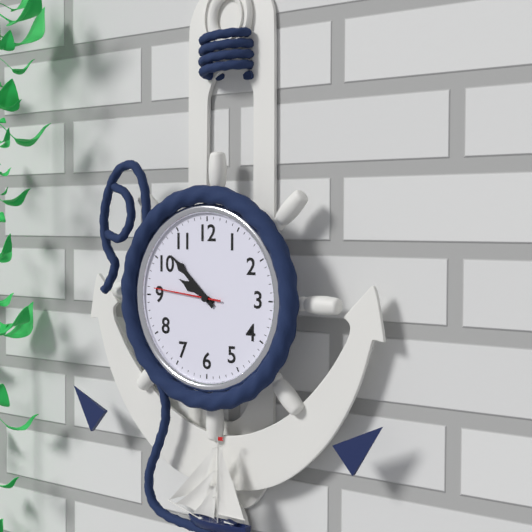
9,52,46
